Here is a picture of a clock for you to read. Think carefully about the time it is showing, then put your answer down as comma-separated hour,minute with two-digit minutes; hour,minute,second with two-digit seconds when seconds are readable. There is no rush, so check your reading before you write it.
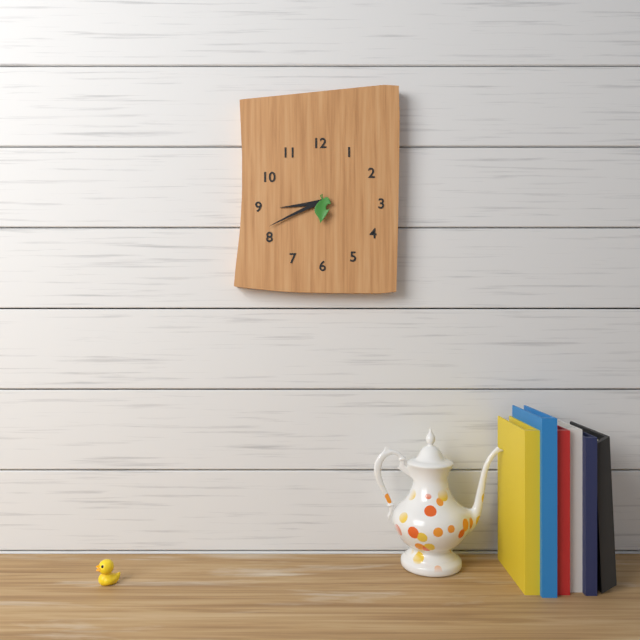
8,41
